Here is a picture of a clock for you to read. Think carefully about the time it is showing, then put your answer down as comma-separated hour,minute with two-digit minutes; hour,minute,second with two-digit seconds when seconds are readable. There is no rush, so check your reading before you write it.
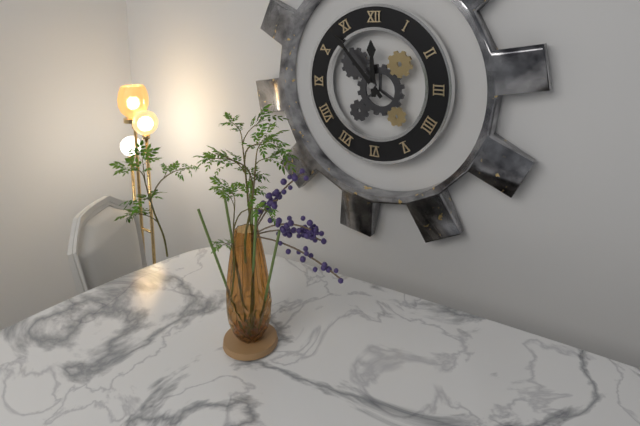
11,53
